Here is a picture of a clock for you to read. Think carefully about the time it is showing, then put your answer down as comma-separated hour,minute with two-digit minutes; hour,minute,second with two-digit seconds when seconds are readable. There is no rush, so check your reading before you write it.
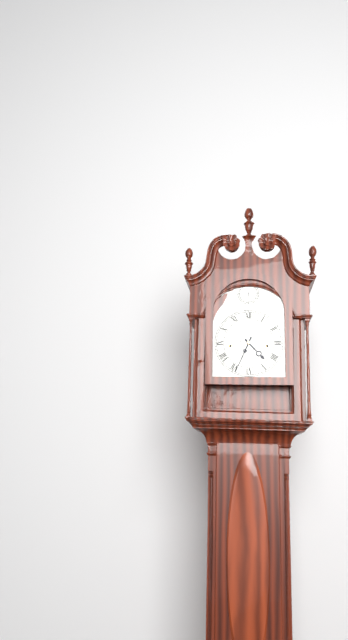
4,34
